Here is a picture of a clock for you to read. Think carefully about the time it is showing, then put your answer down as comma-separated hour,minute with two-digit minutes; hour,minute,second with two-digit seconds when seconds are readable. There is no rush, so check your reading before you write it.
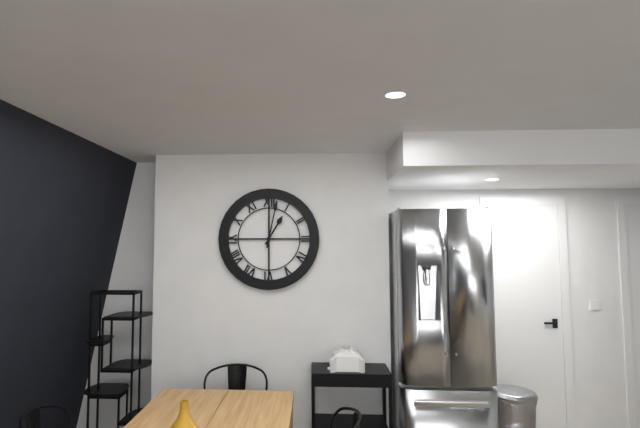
1,02
